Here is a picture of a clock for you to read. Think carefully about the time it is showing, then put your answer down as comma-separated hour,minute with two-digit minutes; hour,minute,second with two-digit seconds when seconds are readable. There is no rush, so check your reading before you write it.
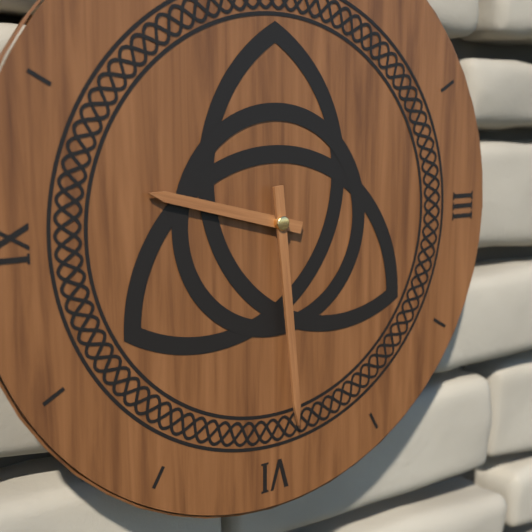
9,29
